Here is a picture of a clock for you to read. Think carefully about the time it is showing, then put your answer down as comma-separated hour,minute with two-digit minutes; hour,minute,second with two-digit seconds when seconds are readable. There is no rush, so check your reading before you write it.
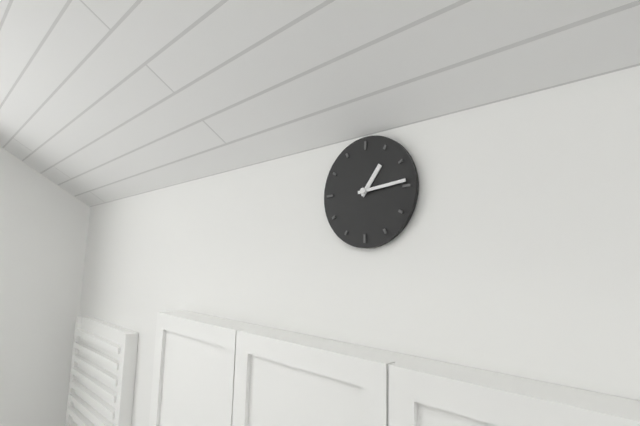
1,14
